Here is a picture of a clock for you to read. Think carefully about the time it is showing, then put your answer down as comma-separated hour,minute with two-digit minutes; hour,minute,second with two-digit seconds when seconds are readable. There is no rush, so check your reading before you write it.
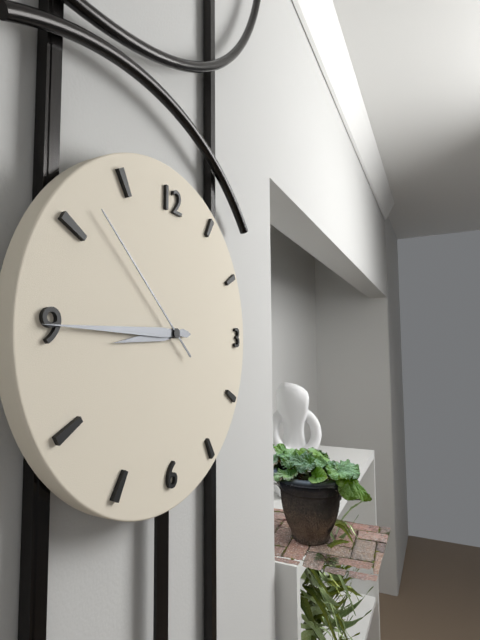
8,45,52
